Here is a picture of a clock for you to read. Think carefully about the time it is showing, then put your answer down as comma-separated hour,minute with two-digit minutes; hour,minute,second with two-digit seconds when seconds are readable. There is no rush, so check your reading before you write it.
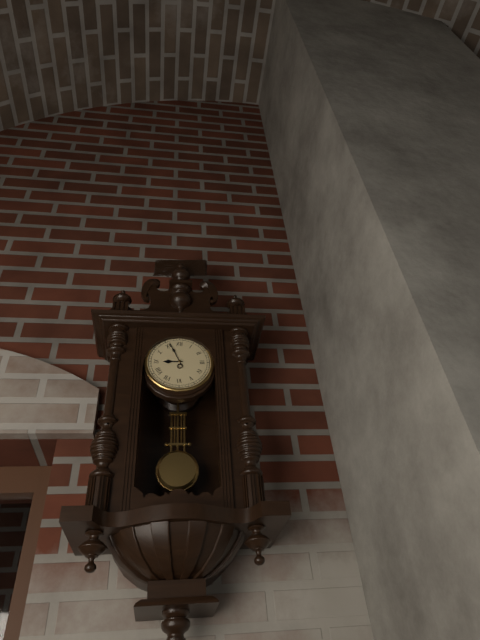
8,56
